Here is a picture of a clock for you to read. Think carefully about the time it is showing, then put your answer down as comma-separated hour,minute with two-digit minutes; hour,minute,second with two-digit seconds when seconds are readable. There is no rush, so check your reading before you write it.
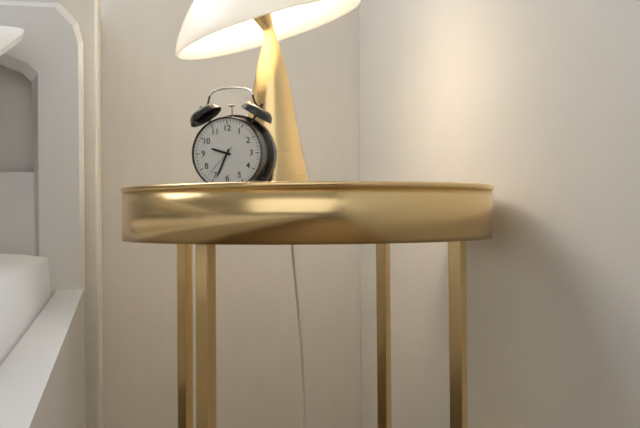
9,34
